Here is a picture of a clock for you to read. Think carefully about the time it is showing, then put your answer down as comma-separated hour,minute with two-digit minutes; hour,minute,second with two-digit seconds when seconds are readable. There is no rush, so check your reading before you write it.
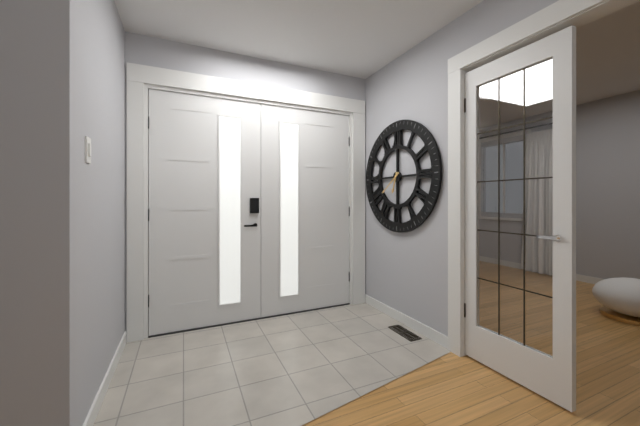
6,39
